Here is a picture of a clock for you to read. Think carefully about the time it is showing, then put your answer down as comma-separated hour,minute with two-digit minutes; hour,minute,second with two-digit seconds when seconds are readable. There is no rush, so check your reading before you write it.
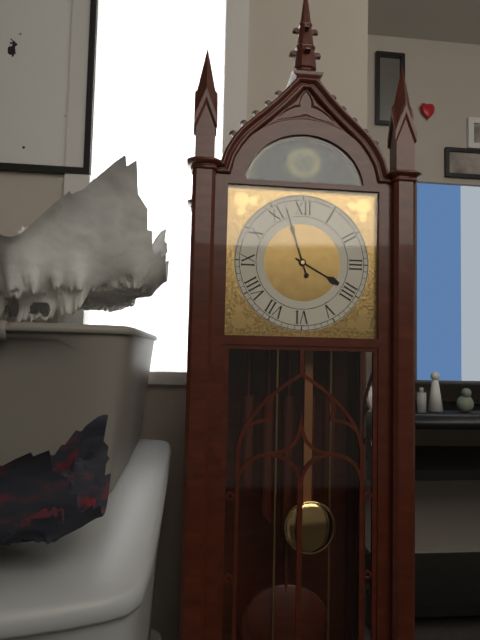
3,57
